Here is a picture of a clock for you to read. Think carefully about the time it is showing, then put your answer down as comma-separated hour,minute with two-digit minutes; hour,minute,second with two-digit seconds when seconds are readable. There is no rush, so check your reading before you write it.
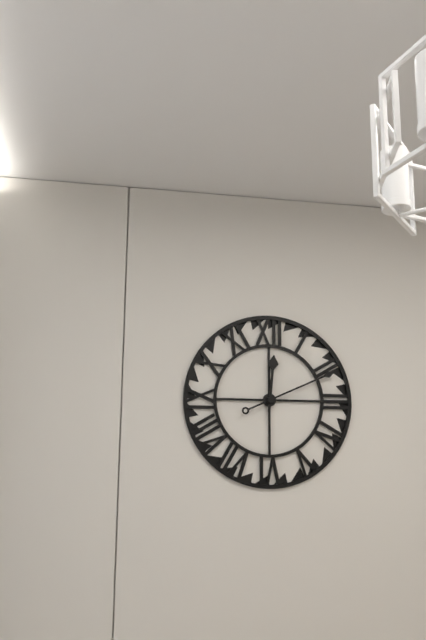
12,11
